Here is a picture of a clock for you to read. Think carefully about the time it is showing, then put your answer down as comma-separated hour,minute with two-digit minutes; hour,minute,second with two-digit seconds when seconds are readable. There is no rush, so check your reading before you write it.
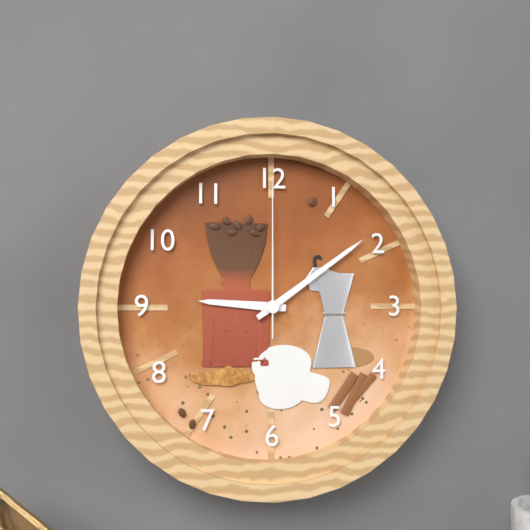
9,09,00
